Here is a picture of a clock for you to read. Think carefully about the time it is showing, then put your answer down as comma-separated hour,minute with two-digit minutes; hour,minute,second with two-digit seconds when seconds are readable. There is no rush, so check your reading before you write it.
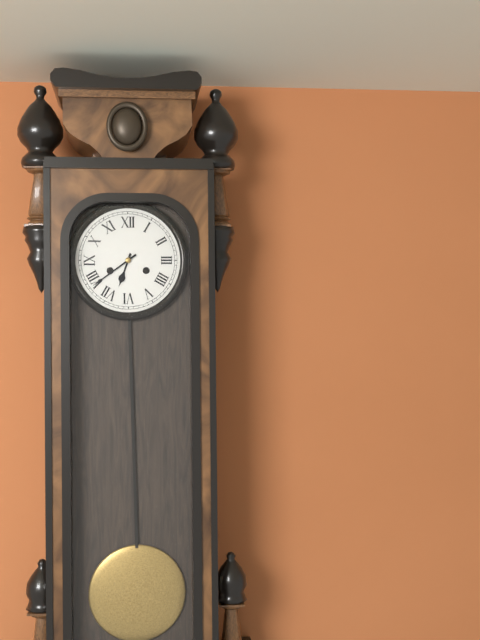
6,39
